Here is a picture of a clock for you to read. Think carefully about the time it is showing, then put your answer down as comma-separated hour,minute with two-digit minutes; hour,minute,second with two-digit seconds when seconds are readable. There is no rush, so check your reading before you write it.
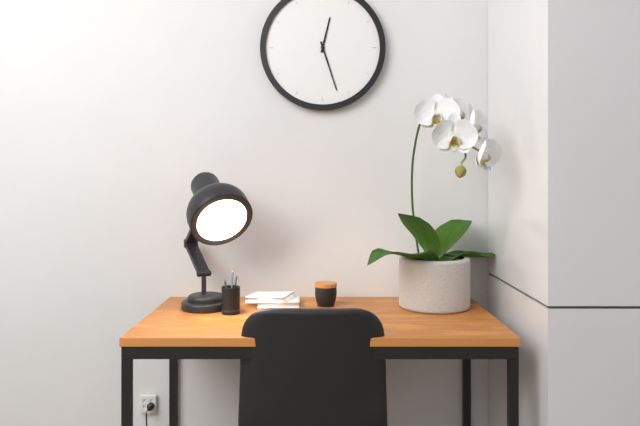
12,27
